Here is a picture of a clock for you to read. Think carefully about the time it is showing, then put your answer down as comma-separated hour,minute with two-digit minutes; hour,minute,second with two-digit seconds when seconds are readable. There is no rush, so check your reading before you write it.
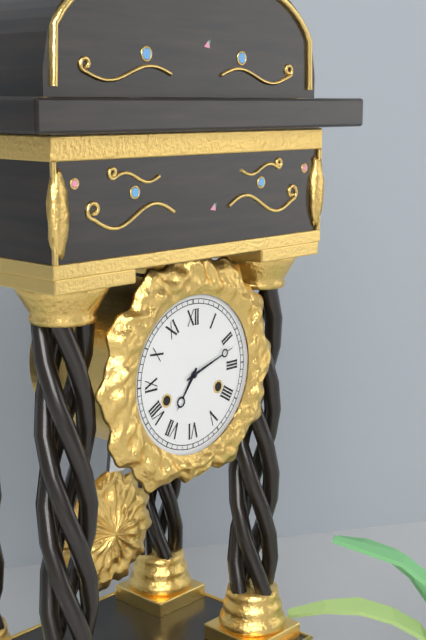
7,12
